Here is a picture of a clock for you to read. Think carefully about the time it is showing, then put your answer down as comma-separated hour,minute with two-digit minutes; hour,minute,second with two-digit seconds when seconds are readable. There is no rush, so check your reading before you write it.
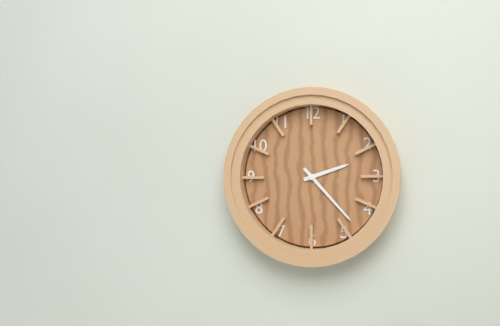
2,23
